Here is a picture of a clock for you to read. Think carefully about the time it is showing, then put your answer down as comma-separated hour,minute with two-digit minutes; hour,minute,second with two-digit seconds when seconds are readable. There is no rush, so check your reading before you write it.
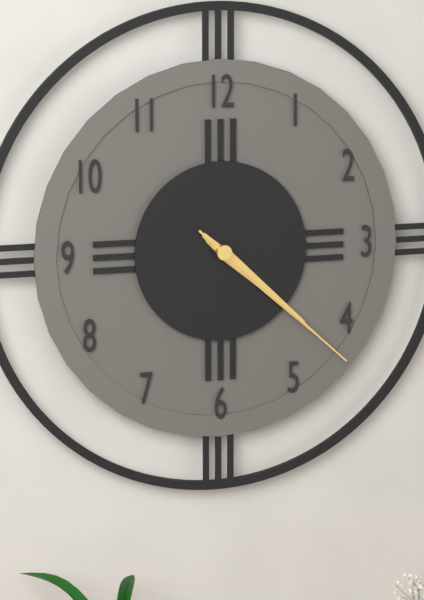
4,22,22
